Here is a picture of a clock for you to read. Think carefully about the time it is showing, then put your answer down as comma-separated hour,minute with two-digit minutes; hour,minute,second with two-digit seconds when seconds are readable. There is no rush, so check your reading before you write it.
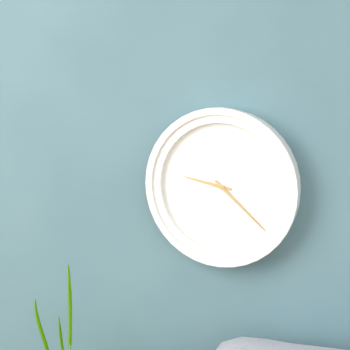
9,22
